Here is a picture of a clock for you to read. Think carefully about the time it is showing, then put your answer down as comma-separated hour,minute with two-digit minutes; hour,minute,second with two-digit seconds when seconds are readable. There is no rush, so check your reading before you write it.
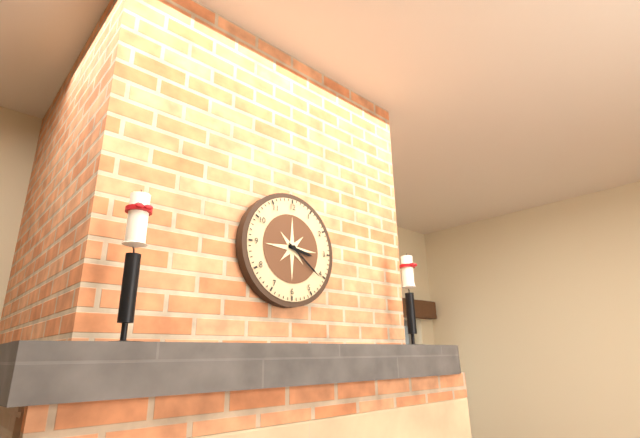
3,21
